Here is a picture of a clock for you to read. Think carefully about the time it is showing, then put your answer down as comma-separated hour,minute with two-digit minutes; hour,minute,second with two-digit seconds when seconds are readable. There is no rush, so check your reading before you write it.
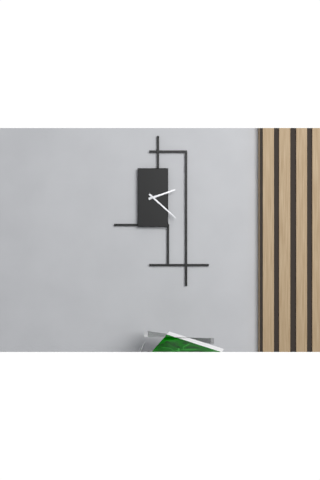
2,22
